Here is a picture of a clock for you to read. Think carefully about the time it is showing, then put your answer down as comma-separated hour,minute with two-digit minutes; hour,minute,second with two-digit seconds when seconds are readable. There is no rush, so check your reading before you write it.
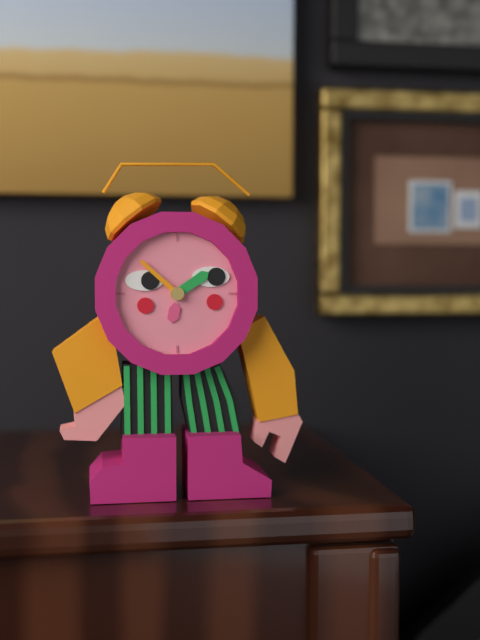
1,52
